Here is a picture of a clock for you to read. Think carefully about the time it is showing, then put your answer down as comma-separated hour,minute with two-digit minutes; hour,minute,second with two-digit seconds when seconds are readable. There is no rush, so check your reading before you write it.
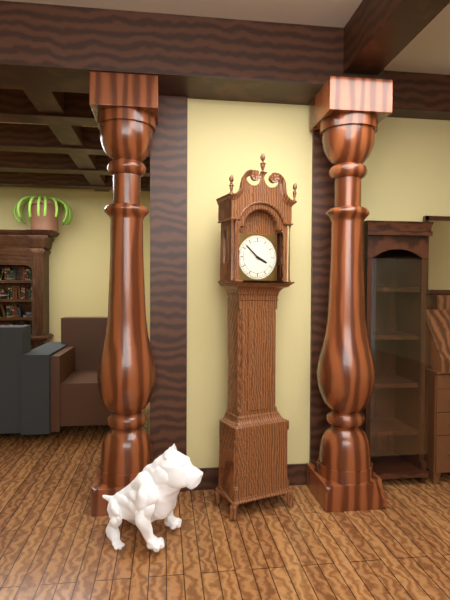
3,52
